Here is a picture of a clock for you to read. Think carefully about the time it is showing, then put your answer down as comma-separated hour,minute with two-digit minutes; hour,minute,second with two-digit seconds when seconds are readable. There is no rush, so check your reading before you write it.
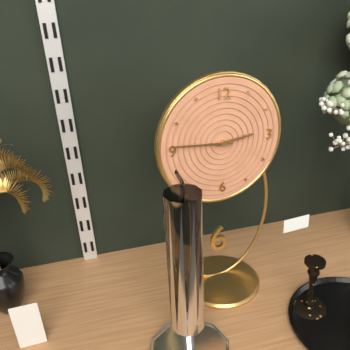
2,46
